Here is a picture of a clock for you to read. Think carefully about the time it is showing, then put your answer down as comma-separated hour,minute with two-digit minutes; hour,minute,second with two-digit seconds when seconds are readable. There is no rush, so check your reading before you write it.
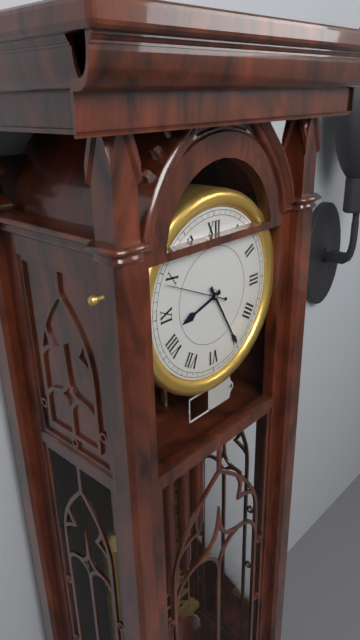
8,25,49
